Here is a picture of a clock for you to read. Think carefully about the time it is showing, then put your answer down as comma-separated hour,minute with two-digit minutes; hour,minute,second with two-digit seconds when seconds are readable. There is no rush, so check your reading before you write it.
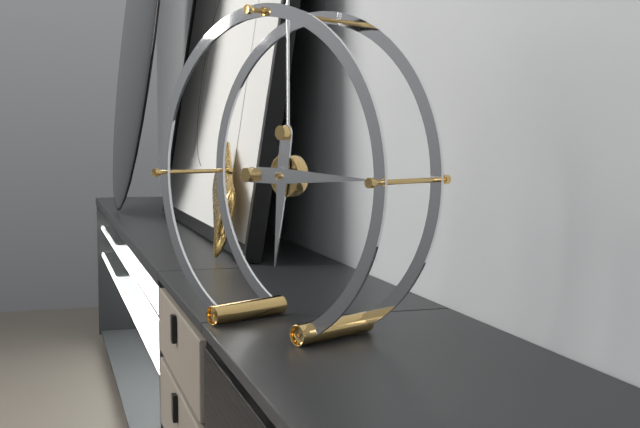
6,15
